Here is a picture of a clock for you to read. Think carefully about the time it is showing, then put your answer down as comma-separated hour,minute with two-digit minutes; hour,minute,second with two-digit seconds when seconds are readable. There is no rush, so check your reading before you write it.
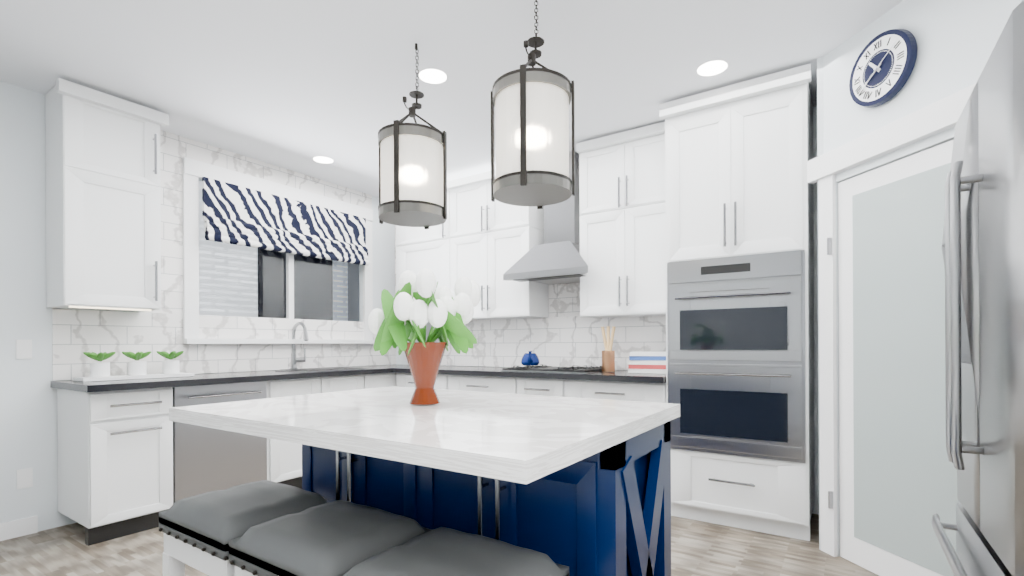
10,39
